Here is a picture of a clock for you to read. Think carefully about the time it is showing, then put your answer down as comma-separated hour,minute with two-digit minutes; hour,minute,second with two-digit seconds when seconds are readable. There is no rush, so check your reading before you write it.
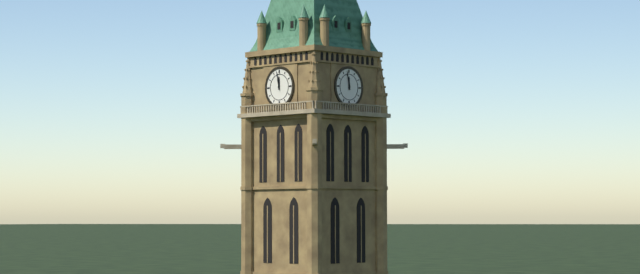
11,58
